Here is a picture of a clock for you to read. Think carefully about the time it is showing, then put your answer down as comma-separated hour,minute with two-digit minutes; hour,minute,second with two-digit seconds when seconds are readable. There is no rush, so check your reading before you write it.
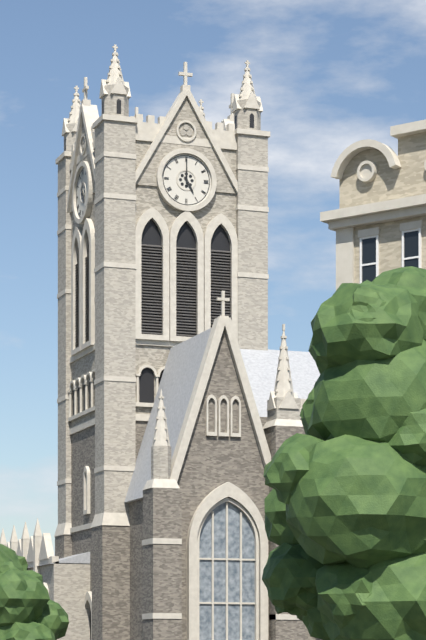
5,00
